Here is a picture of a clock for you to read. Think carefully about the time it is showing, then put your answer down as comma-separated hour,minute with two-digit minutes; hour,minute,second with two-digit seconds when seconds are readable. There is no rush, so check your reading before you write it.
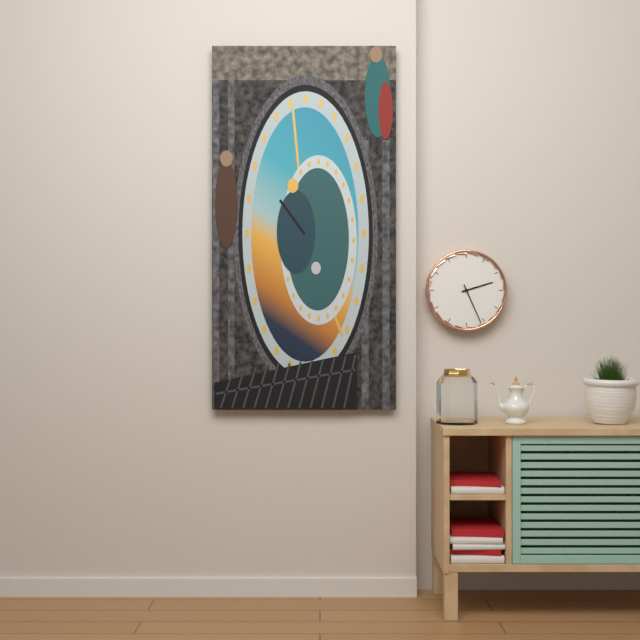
2,26
